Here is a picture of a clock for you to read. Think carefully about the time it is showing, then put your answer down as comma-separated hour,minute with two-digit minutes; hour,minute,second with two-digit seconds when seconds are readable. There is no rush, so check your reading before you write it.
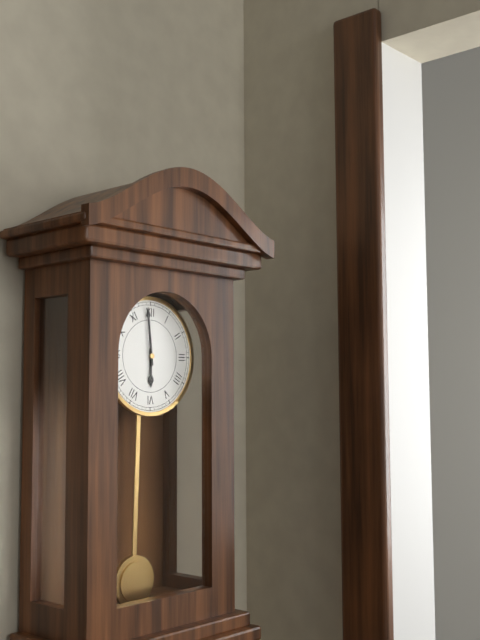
5,59
